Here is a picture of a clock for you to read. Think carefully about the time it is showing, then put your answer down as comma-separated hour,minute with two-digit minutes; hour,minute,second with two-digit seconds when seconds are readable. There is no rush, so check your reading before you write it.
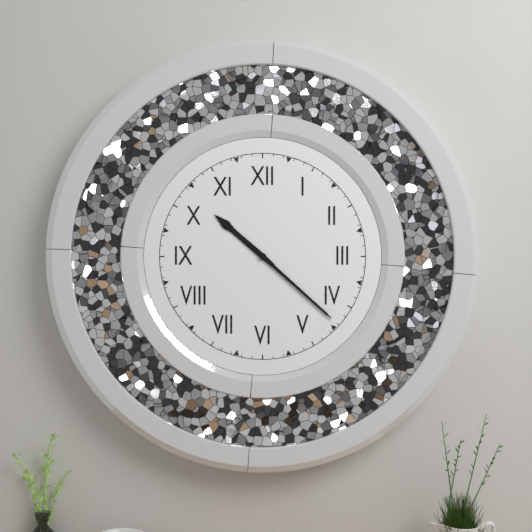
10,22
